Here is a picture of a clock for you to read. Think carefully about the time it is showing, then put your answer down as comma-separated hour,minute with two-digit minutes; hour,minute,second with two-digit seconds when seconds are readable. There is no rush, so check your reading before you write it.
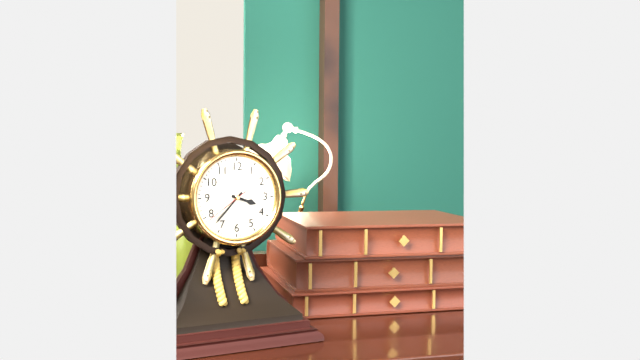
3,37
